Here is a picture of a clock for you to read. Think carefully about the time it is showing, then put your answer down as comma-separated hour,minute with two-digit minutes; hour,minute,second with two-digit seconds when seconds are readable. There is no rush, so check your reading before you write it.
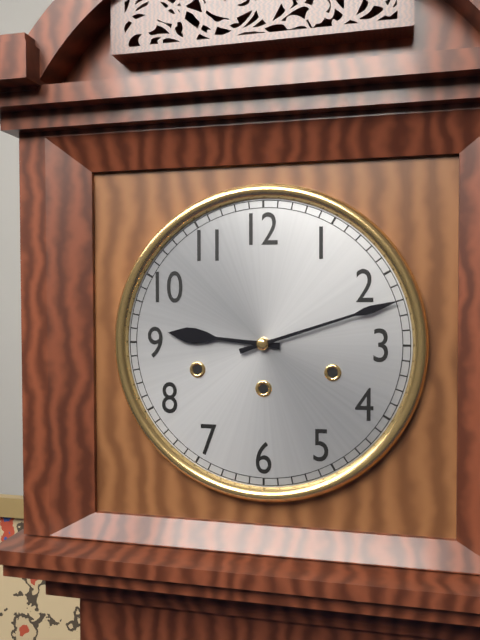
9,12
